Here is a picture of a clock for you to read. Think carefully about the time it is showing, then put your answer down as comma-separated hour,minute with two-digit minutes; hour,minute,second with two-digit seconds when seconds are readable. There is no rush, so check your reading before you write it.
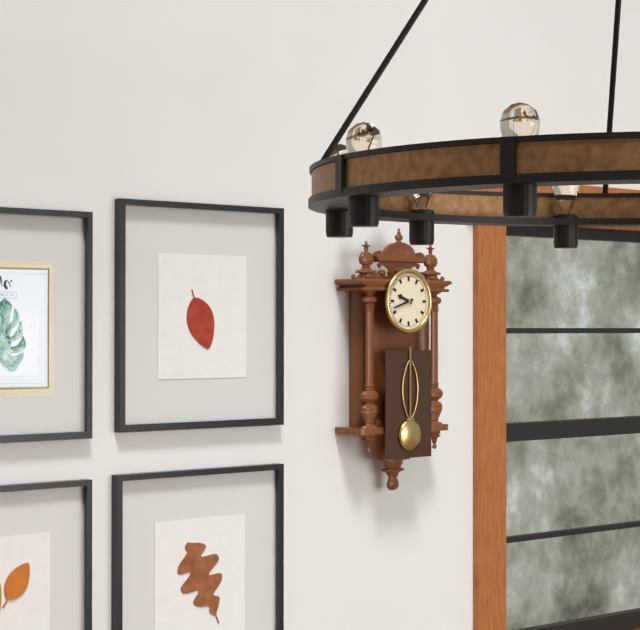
9,42
